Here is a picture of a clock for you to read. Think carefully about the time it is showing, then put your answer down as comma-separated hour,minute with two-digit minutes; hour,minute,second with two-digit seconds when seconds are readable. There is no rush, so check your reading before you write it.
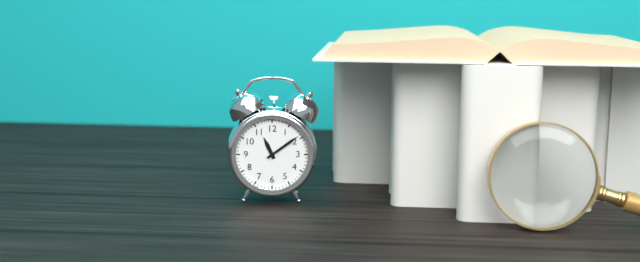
11,09
